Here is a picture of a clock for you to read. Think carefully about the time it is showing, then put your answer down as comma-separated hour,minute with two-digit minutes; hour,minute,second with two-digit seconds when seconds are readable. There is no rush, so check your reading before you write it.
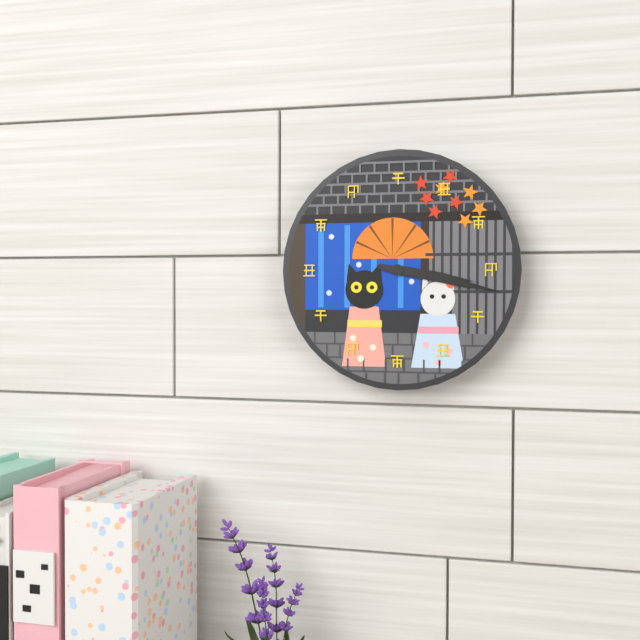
3,17
